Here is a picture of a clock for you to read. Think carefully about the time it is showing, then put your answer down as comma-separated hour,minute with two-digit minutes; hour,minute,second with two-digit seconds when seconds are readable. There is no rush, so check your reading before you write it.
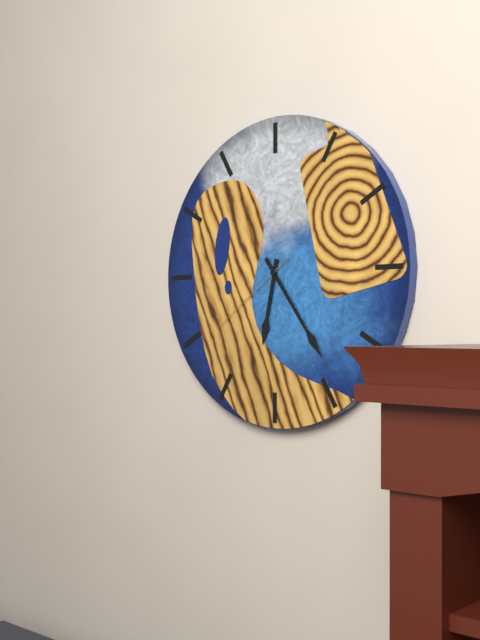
6,24,39
